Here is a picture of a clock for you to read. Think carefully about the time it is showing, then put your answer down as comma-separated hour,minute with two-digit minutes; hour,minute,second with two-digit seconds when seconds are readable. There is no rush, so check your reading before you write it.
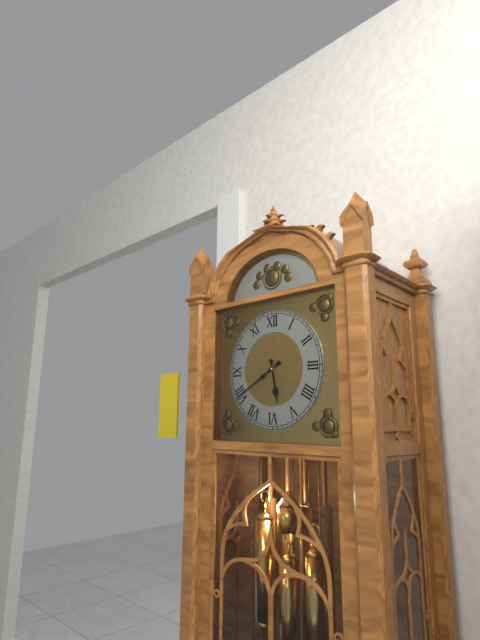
5,40
